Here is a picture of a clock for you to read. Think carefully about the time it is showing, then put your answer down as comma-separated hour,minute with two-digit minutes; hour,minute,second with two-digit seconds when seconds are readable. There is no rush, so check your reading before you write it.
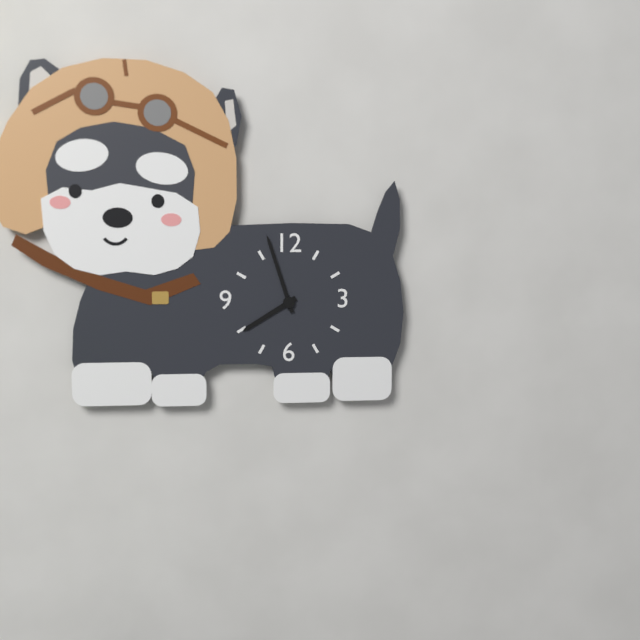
7,57
